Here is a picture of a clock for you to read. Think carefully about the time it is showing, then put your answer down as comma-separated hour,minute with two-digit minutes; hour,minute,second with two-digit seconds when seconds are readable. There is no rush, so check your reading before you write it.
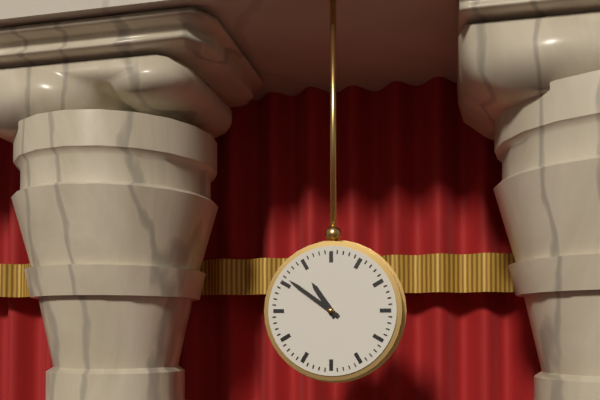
10,51
